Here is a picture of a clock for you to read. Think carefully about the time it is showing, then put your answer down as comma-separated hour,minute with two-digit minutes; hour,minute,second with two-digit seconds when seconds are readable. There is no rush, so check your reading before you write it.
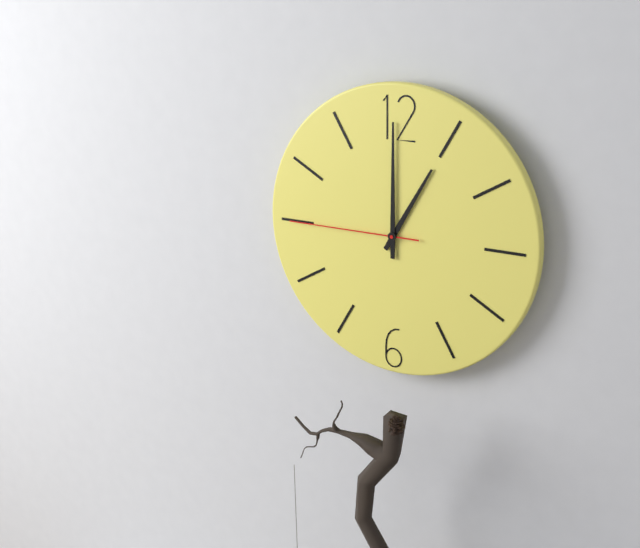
1,00,45
